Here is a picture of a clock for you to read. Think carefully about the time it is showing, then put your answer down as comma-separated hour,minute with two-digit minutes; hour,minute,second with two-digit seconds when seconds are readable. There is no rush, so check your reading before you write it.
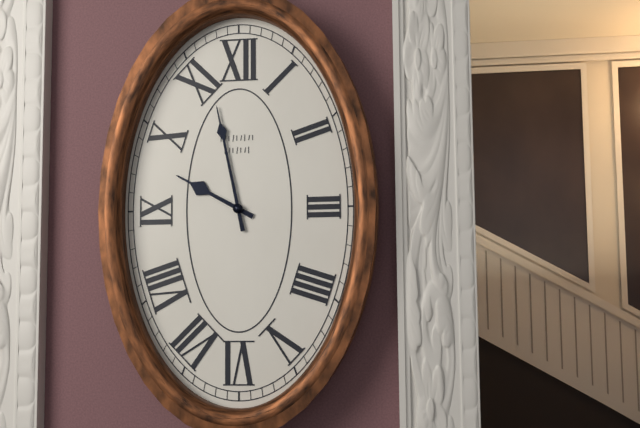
9,58
